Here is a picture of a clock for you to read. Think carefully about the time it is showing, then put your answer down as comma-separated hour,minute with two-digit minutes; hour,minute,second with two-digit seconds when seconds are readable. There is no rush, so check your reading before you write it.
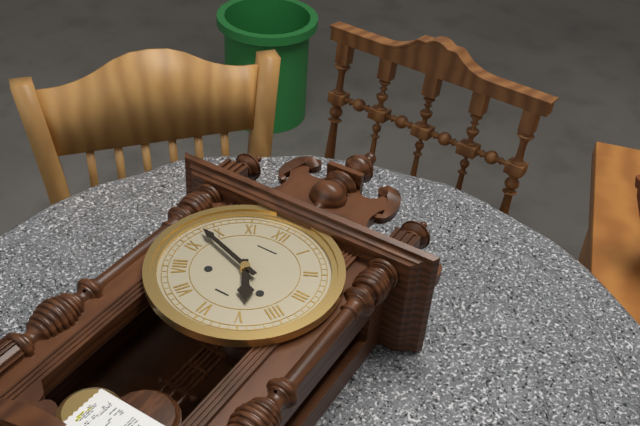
4,48
